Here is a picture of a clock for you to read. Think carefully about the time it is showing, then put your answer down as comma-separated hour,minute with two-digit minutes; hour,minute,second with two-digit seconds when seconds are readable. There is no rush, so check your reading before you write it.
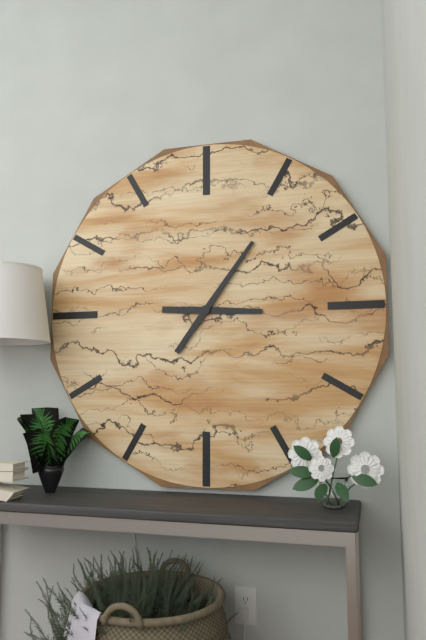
3,06
